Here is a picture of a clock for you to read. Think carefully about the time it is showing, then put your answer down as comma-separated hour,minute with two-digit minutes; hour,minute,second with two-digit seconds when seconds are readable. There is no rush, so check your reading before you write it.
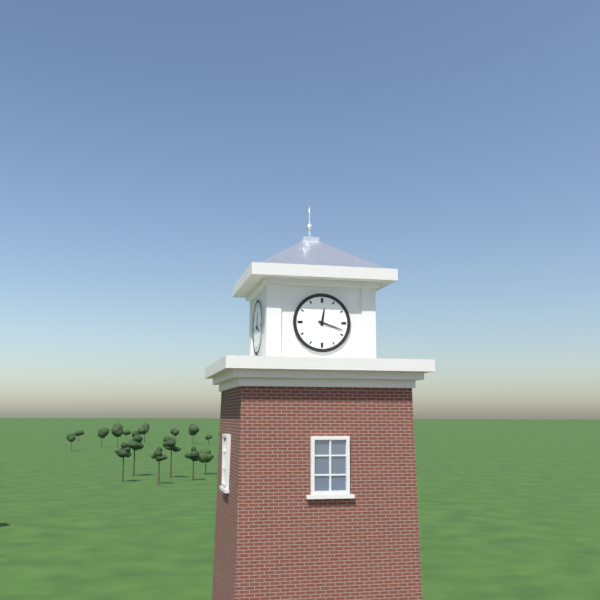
12,18
